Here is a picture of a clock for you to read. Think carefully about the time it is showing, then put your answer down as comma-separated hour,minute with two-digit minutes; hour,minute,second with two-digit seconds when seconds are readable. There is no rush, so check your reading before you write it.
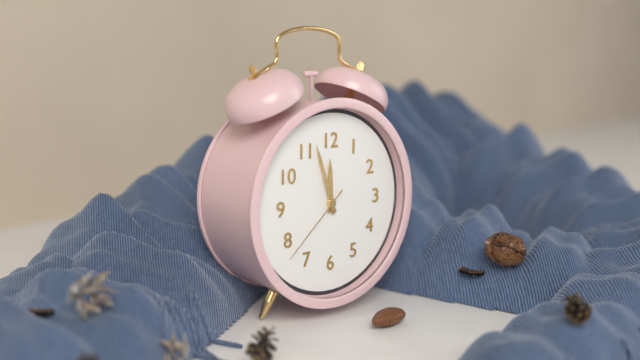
11,57,38
